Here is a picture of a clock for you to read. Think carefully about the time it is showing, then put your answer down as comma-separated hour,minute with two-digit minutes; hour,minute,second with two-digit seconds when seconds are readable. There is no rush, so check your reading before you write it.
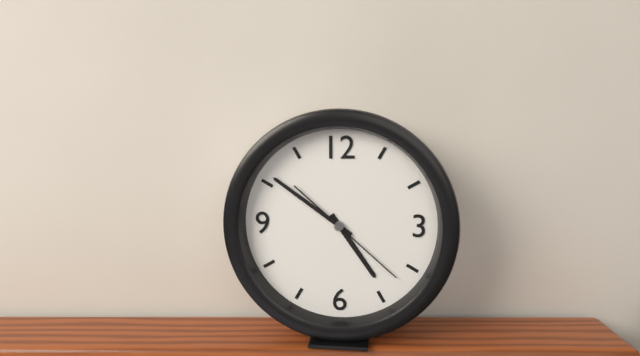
4,51,22
